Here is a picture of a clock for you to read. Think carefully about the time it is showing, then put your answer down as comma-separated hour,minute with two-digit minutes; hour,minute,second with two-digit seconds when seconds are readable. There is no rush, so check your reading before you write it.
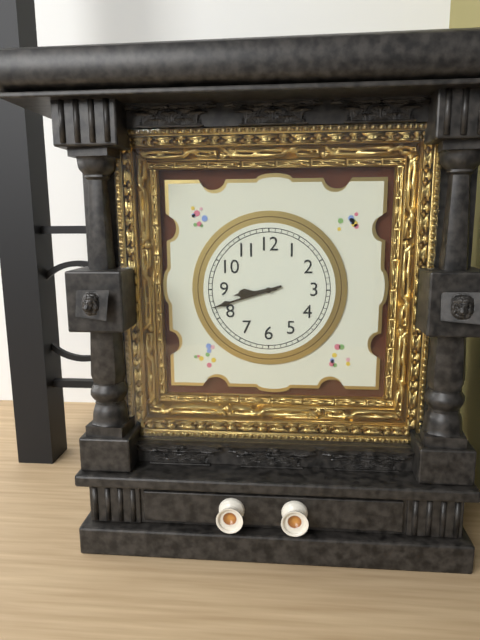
8,42
